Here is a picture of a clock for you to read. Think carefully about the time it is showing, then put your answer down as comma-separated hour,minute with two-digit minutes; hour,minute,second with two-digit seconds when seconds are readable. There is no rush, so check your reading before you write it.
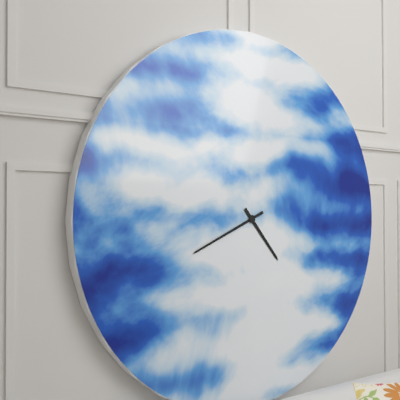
4,41
